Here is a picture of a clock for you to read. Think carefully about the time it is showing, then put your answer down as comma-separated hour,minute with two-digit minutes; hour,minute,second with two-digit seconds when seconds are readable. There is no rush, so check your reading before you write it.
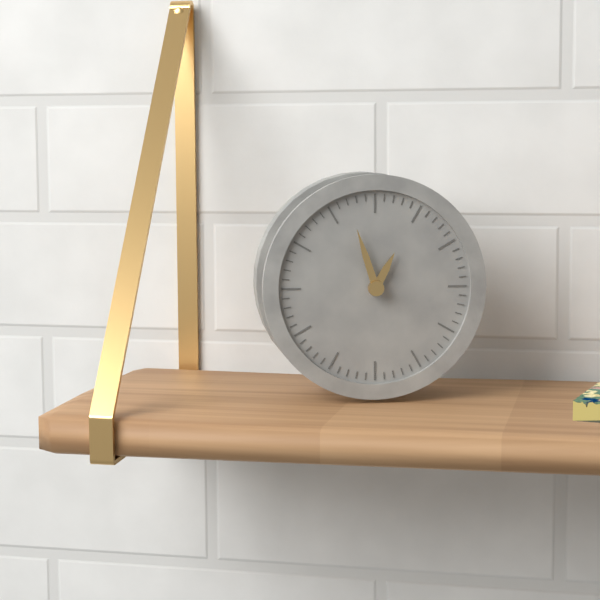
12,57
